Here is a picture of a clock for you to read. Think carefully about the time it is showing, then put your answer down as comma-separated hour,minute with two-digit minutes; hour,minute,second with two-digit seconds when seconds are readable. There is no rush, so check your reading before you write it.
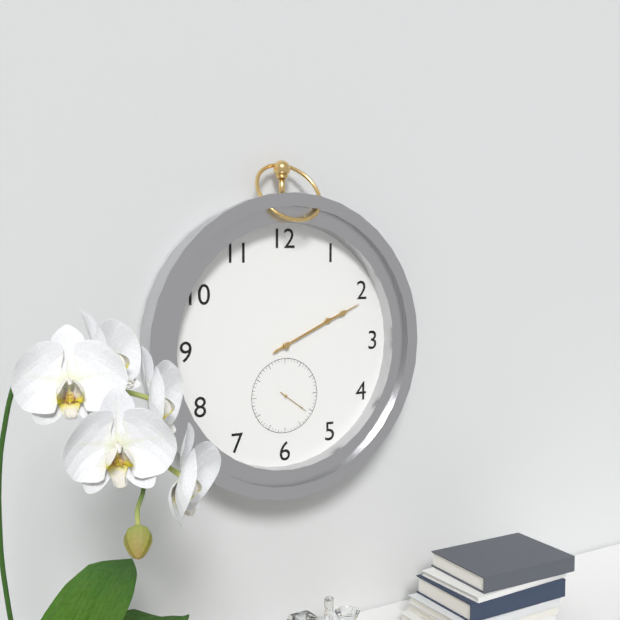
2,11
